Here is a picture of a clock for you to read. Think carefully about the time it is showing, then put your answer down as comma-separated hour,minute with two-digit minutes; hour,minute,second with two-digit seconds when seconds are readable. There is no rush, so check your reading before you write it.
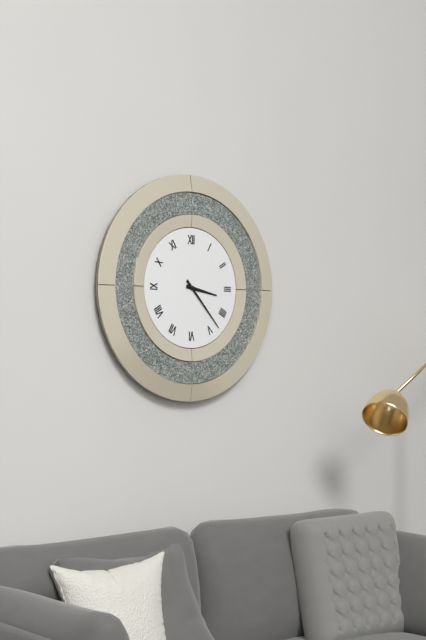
3,23
